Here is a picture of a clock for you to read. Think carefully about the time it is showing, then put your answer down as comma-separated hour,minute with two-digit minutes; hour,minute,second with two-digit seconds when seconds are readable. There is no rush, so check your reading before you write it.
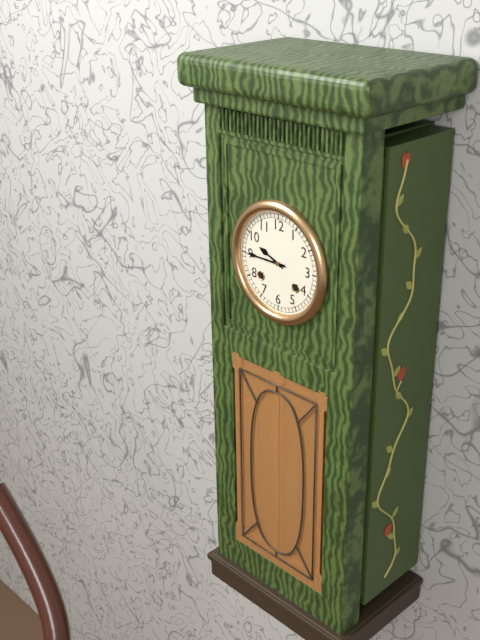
9,45
